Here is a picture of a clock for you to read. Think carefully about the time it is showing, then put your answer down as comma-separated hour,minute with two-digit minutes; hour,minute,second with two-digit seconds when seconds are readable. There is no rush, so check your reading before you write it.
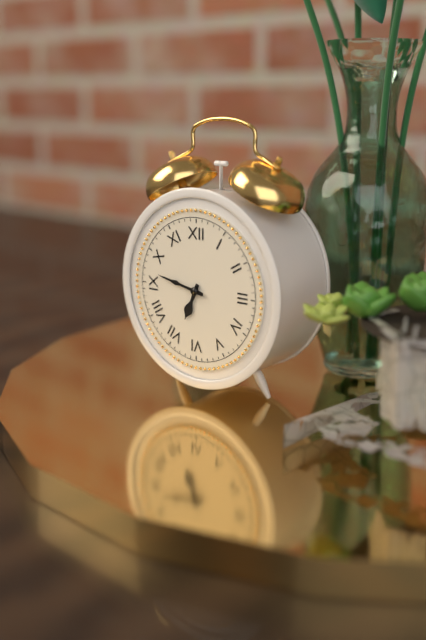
6,47
